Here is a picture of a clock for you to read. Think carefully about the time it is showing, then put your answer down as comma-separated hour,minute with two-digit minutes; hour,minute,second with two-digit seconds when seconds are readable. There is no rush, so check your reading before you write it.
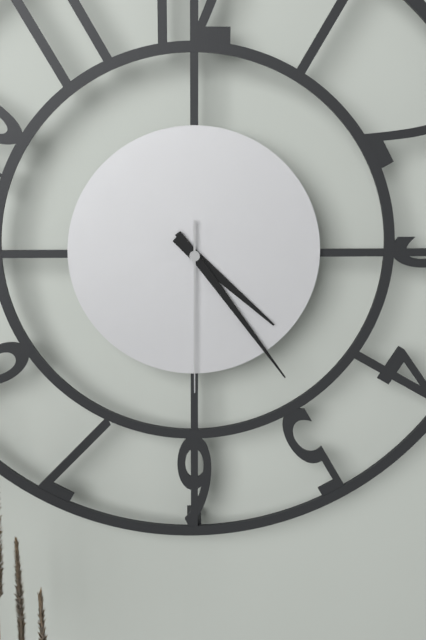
4,24,30
